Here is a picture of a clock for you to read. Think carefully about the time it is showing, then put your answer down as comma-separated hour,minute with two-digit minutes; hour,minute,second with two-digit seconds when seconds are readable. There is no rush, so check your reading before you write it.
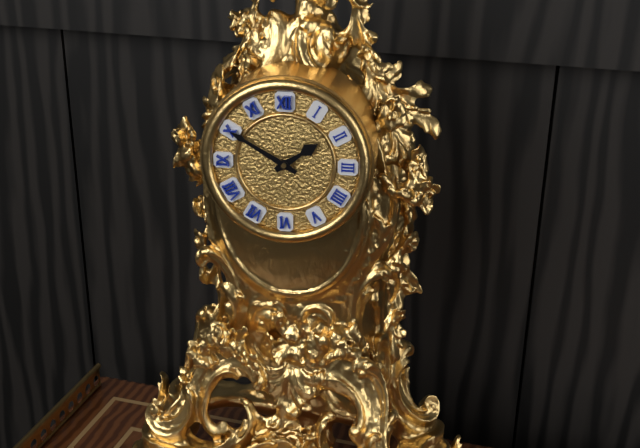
1,50
